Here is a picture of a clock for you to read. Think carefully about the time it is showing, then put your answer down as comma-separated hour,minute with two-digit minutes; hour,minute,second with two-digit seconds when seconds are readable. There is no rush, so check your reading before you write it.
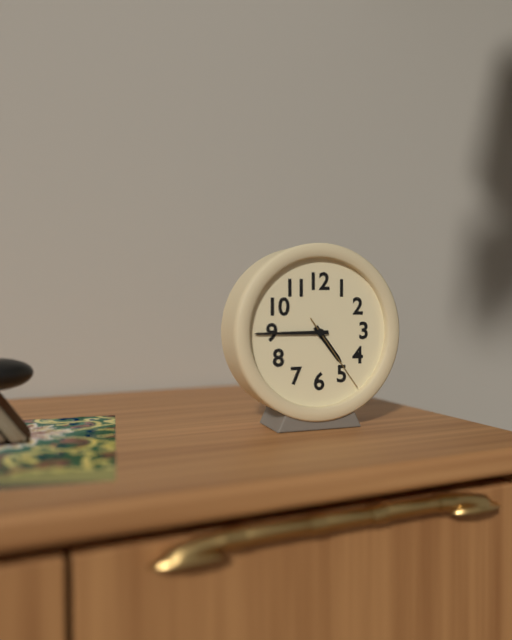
4,45,24
